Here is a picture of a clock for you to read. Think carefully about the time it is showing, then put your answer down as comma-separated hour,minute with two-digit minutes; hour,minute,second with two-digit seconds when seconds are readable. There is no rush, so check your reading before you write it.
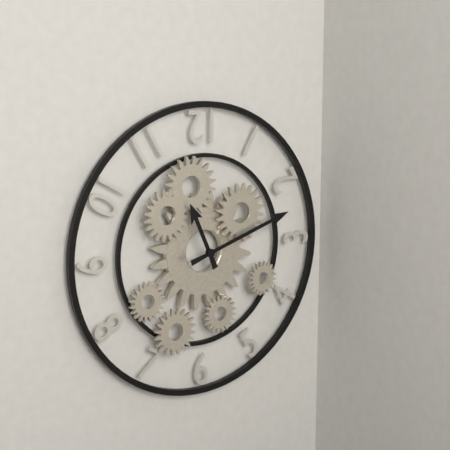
11,12
